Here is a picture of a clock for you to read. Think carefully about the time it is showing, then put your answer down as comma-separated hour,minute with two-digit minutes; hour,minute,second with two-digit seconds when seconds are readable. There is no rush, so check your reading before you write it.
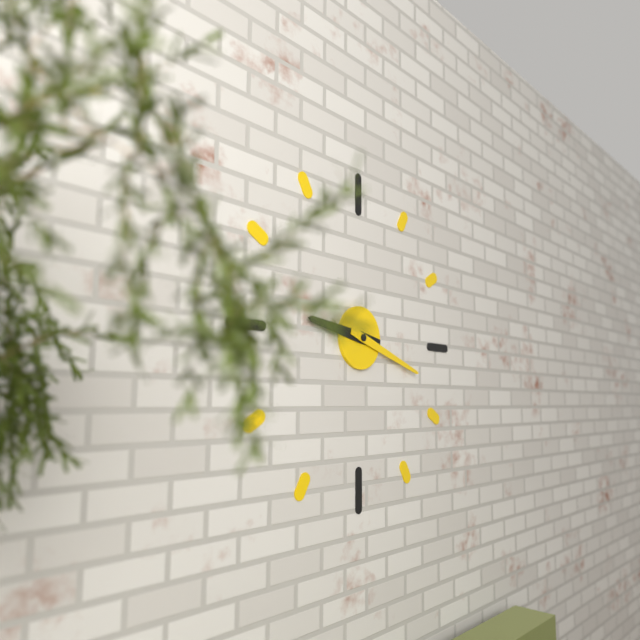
9,18
